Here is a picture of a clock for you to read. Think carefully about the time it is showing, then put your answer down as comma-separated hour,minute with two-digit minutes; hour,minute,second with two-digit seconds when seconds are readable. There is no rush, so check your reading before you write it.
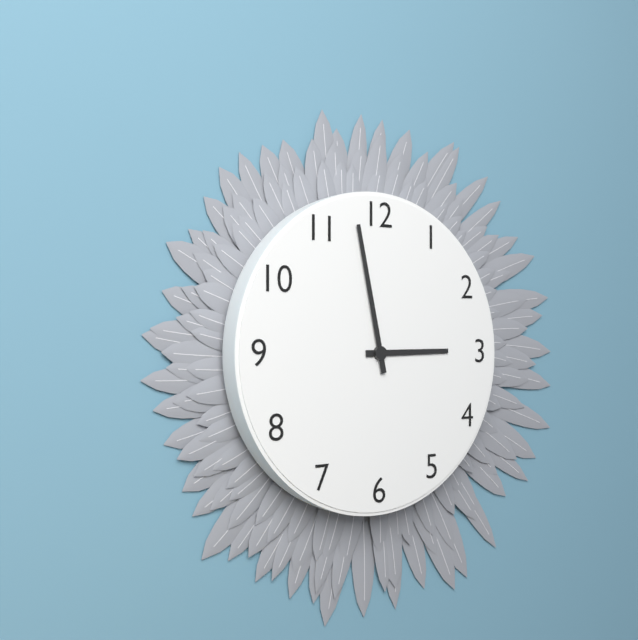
2,58
